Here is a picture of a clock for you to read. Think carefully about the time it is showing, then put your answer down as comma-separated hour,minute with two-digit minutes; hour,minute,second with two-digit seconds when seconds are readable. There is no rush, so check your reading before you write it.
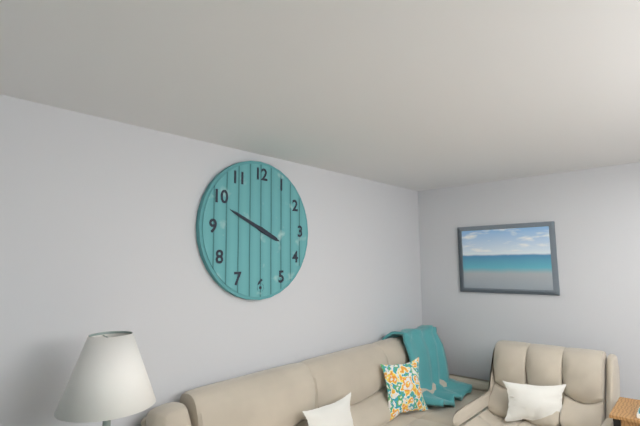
3,49
